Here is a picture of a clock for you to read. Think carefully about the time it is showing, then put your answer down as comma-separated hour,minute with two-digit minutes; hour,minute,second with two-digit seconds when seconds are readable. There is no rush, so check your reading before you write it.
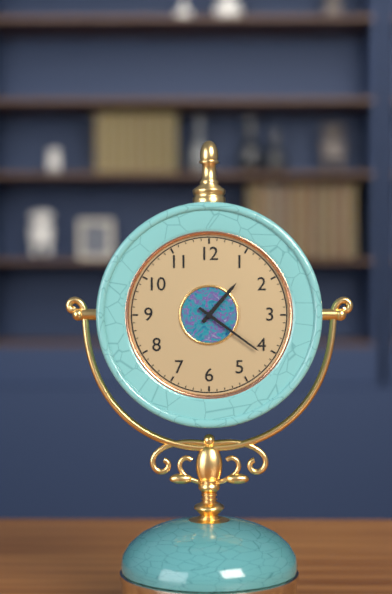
1,21
